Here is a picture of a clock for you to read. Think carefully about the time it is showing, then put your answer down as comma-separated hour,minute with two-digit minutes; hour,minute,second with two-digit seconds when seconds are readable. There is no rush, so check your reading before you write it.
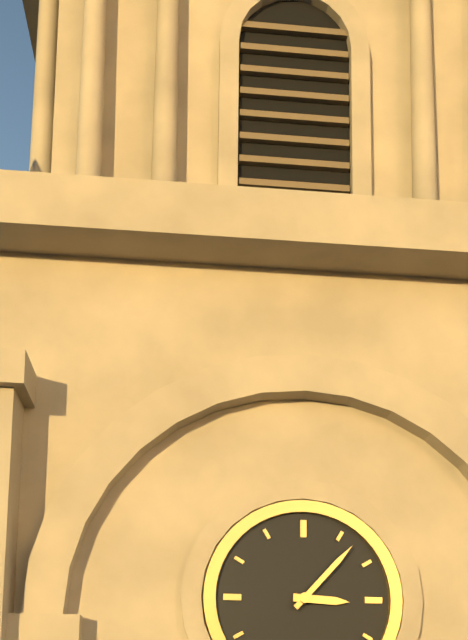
3,07
